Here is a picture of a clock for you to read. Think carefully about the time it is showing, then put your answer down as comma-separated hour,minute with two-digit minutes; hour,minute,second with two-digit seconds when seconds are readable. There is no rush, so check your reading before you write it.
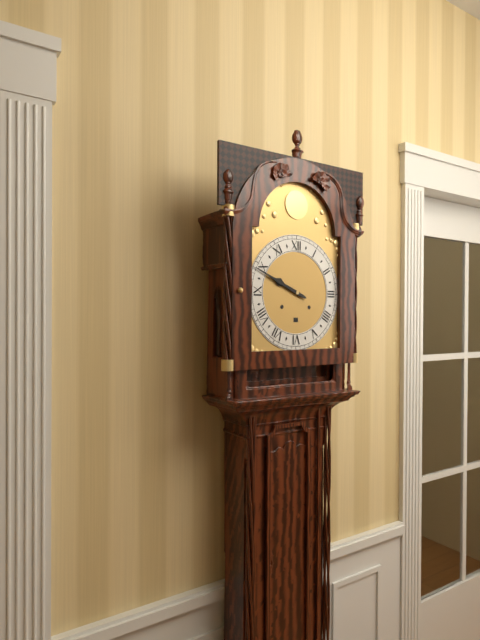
9,49
